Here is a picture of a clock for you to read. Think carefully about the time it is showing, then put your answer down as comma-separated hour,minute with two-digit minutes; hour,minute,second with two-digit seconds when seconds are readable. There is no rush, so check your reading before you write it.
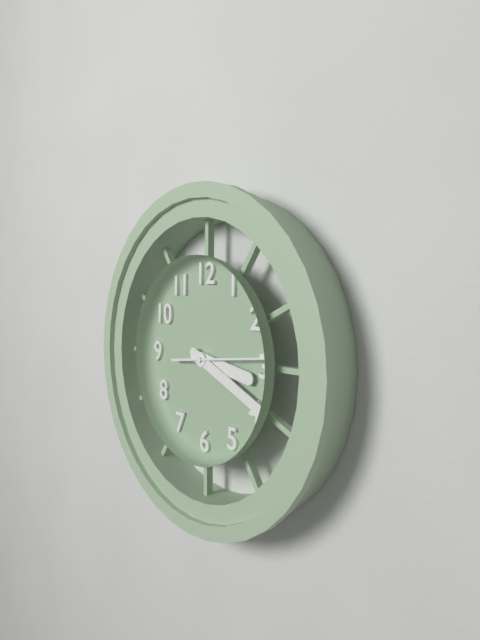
3,19,14
